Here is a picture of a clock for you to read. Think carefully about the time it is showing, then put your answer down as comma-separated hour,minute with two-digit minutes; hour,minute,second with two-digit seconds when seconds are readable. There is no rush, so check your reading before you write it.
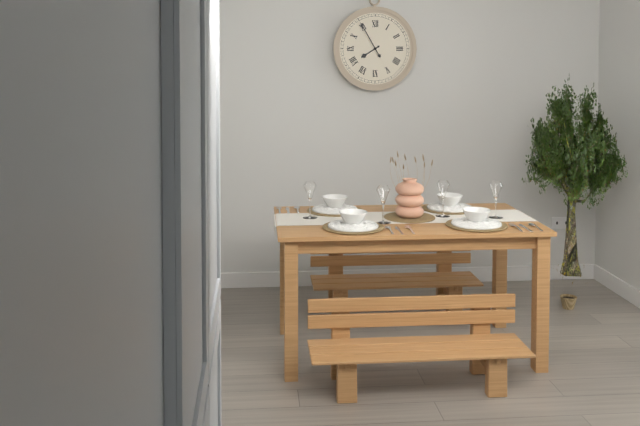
7,55
